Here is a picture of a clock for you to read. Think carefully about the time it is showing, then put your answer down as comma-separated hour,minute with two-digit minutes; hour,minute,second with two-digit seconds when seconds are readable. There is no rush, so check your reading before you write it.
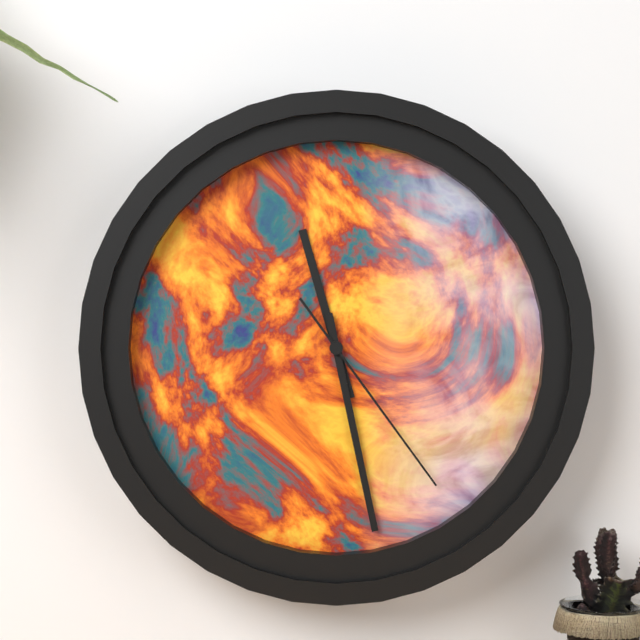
11,28,24
